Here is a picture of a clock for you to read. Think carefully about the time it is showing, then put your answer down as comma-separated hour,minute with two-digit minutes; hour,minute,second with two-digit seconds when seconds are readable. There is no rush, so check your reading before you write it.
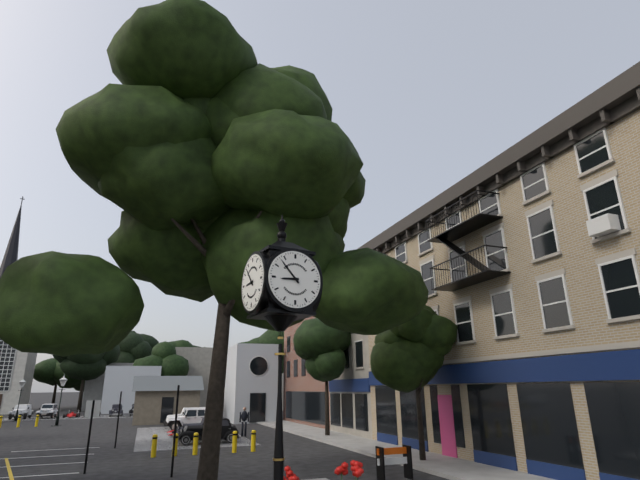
8,53
